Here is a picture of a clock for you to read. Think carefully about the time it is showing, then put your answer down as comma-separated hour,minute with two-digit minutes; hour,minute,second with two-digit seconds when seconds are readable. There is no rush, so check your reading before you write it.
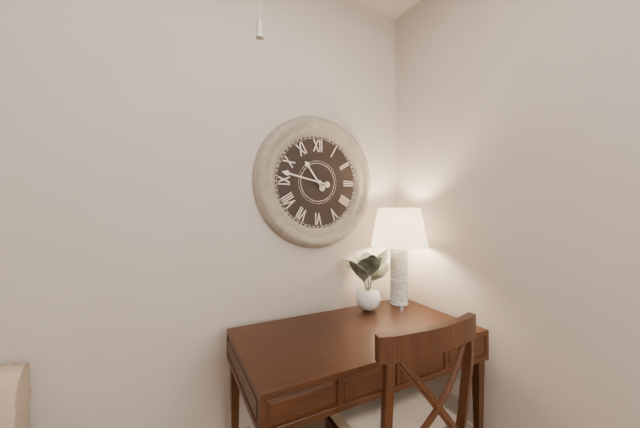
10,47
